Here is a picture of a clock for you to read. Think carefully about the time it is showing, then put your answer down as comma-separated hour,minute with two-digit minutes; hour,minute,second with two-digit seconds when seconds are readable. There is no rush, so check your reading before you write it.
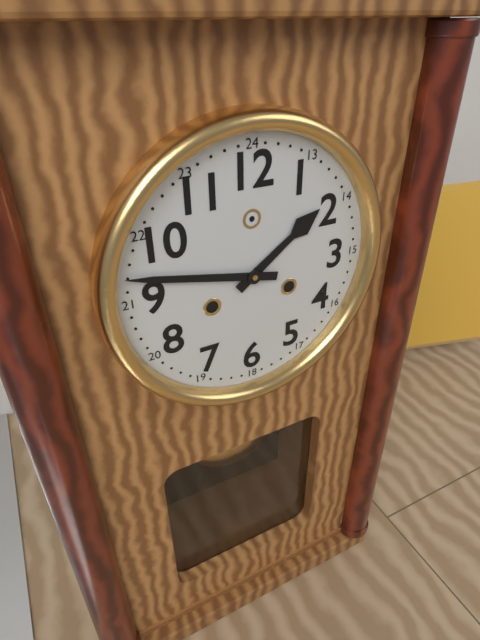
1,47
